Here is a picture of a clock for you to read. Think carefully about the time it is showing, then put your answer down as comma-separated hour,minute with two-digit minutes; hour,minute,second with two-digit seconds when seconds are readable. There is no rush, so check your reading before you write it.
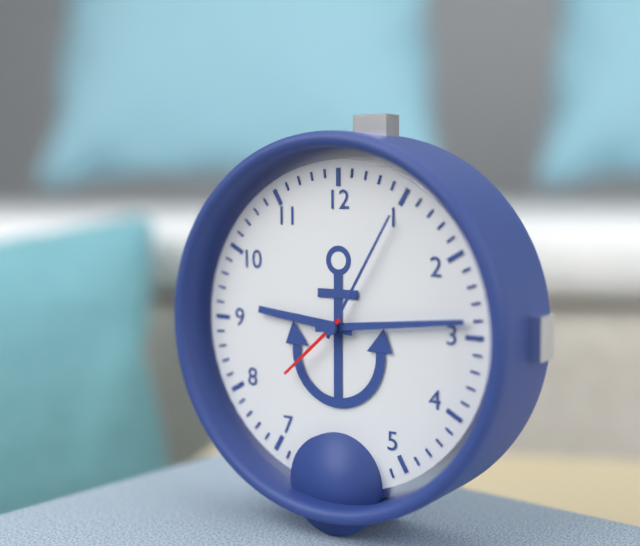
9,14,38
